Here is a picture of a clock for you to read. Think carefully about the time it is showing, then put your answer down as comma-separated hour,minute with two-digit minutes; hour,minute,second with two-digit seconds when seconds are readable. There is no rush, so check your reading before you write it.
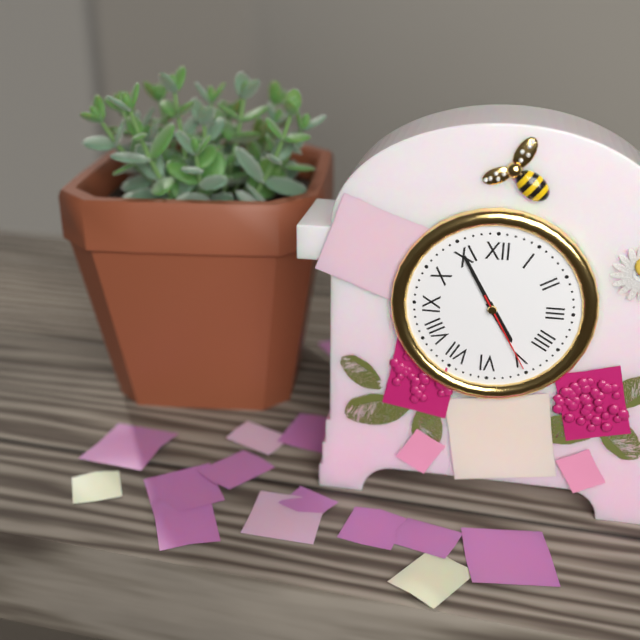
4,55,25
